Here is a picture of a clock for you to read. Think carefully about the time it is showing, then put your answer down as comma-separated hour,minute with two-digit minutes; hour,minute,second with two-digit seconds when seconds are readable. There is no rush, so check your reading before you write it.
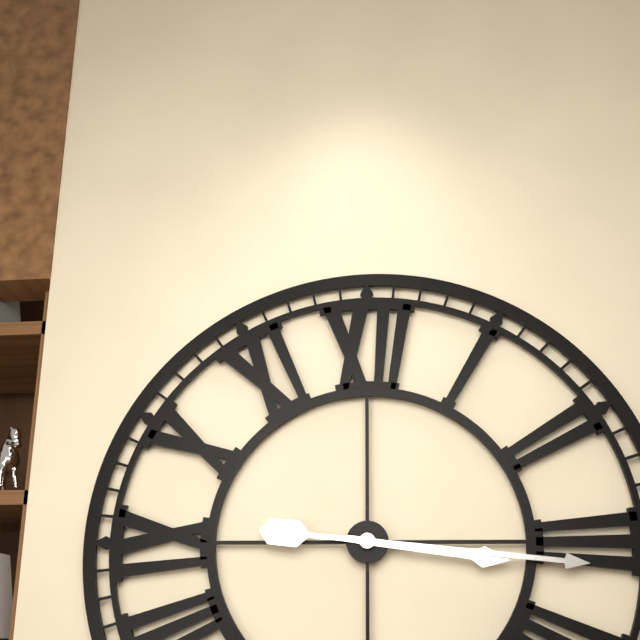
3,16
